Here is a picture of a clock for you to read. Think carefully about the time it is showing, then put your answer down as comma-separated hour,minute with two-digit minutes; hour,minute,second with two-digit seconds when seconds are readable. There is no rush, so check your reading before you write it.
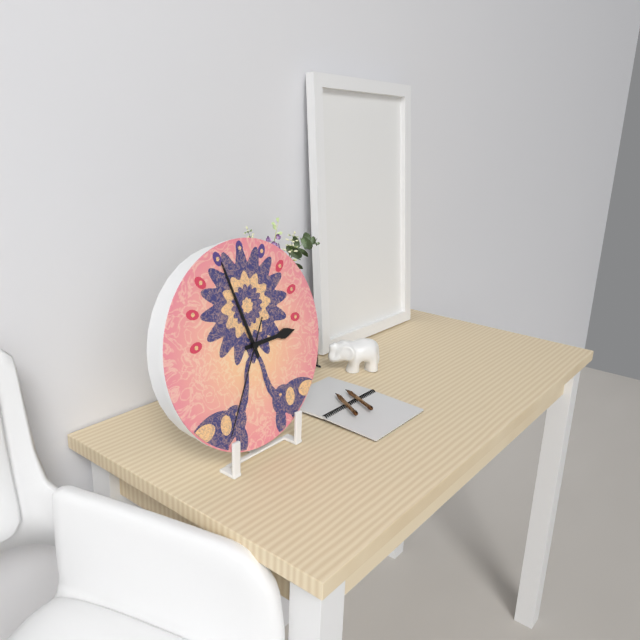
2,57,35
